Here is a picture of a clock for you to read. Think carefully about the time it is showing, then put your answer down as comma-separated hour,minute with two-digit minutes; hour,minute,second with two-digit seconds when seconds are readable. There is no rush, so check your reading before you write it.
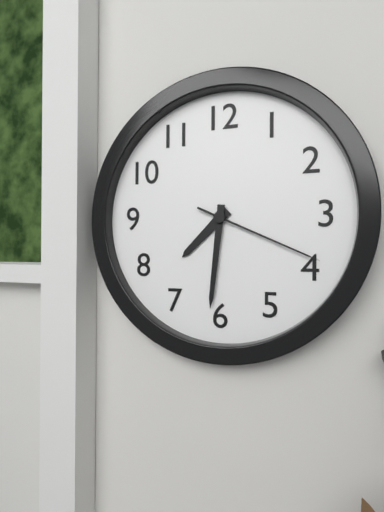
7,31,19
